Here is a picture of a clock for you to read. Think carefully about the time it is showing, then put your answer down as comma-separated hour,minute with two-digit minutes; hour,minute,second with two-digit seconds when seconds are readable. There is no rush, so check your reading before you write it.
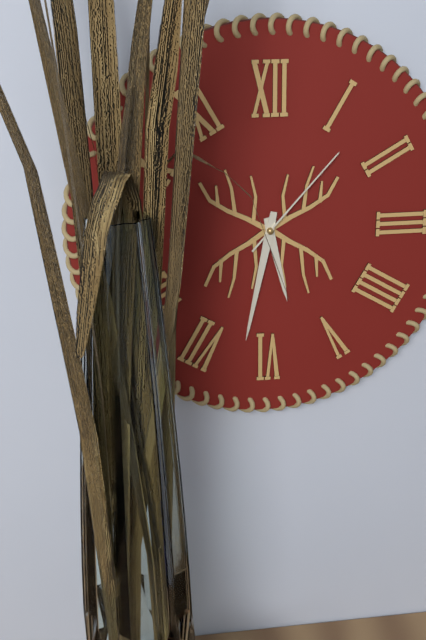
5,32,07
